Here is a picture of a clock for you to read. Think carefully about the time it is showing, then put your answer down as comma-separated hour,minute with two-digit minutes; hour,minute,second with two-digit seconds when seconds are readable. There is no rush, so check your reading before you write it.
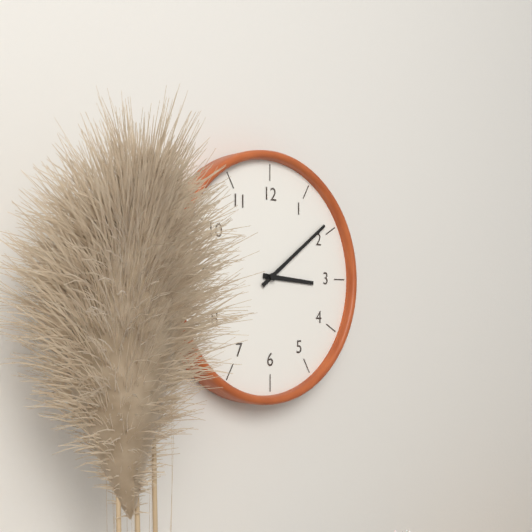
3,09
